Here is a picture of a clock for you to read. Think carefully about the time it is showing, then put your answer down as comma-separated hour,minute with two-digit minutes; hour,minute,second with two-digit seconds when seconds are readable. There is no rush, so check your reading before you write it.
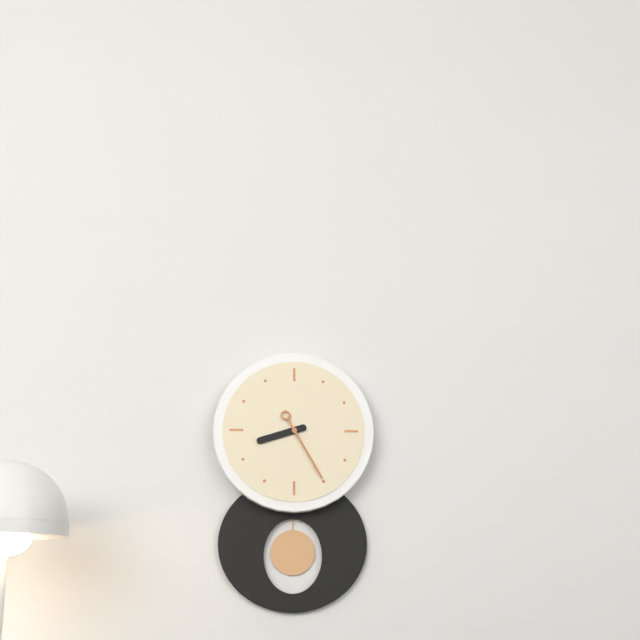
8,25
